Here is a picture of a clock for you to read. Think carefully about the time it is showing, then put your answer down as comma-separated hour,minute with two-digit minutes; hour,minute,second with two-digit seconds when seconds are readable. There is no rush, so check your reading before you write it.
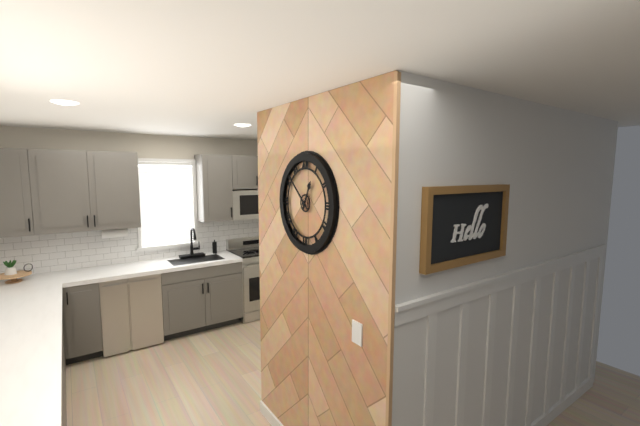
12,52
